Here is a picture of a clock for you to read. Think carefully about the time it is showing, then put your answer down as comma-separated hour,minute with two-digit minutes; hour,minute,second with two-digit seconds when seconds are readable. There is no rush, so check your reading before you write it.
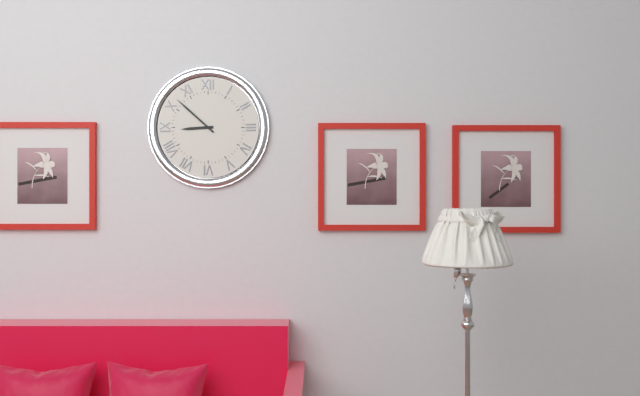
8,52
